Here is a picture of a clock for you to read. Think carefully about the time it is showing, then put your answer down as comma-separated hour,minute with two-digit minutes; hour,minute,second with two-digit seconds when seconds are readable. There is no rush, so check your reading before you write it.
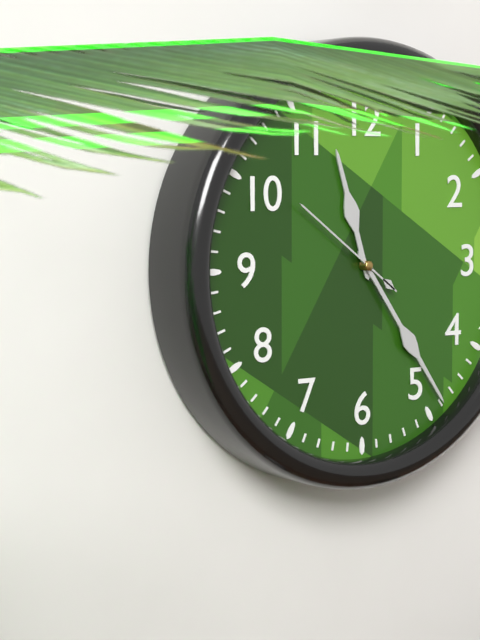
11,24,51
